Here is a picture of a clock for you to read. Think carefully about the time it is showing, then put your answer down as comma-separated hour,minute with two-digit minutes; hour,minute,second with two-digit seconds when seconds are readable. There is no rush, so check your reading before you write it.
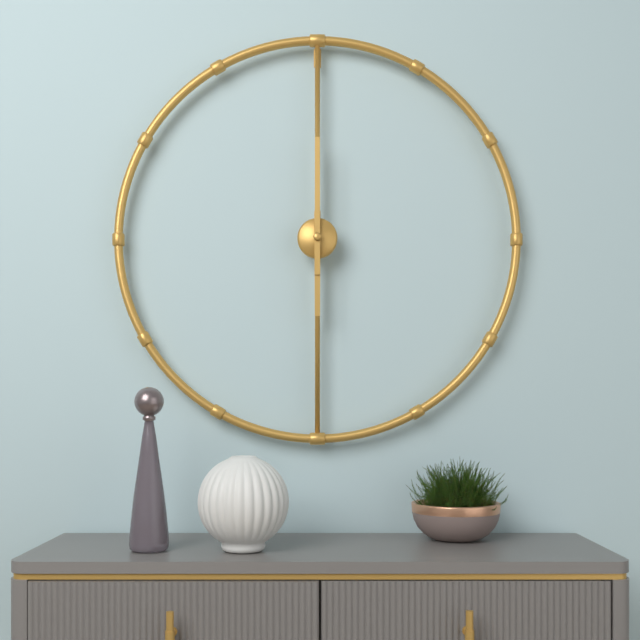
6,00
